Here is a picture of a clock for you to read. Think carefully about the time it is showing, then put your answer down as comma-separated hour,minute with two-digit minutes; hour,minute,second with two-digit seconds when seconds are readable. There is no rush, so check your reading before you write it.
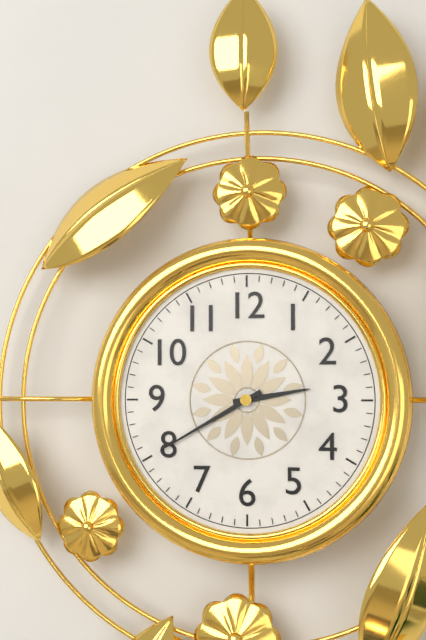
2,40
